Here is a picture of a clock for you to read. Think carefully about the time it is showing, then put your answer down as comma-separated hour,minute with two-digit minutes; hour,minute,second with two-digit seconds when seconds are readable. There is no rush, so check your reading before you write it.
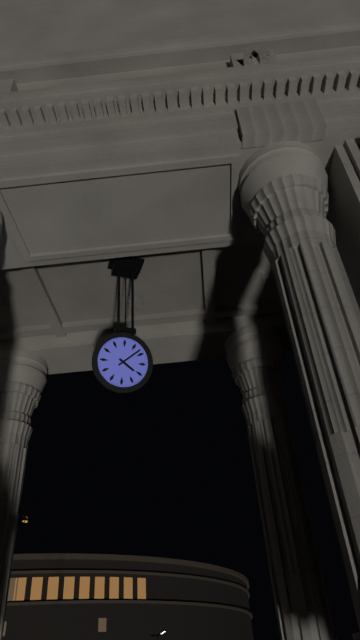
4,08
